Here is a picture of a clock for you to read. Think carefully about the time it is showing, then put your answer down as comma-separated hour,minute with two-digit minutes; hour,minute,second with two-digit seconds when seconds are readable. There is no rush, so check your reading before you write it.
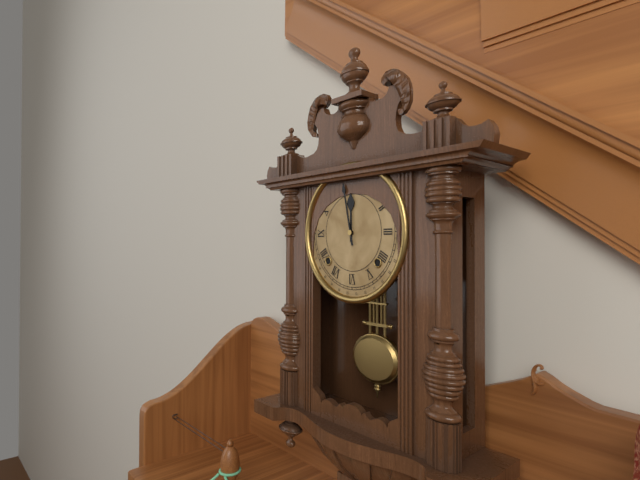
11,58
